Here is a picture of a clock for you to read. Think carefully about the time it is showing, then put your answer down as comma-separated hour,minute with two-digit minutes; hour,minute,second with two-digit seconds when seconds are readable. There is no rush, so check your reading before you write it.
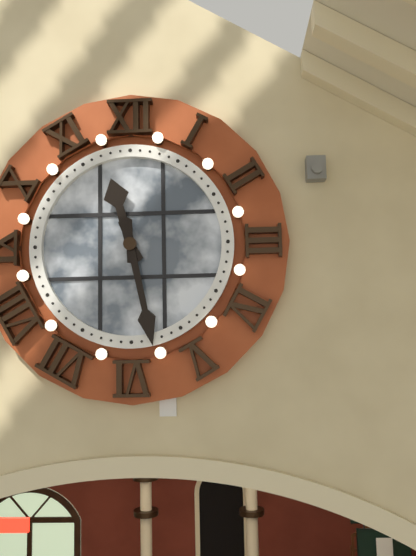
11,28
